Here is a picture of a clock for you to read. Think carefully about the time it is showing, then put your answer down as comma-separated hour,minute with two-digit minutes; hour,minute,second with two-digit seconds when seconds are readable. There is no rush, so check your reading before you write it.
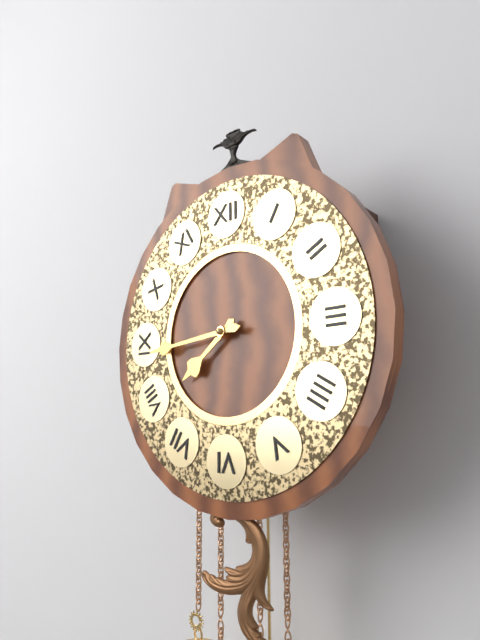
7,44
